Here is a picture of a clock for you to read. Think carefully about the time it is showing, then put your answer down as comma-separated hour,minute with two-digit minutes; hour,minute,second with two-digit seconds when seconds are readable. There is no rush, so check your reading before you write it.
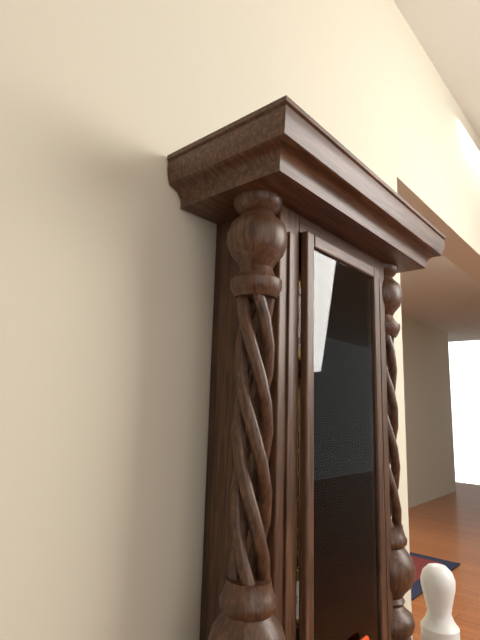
2,21
